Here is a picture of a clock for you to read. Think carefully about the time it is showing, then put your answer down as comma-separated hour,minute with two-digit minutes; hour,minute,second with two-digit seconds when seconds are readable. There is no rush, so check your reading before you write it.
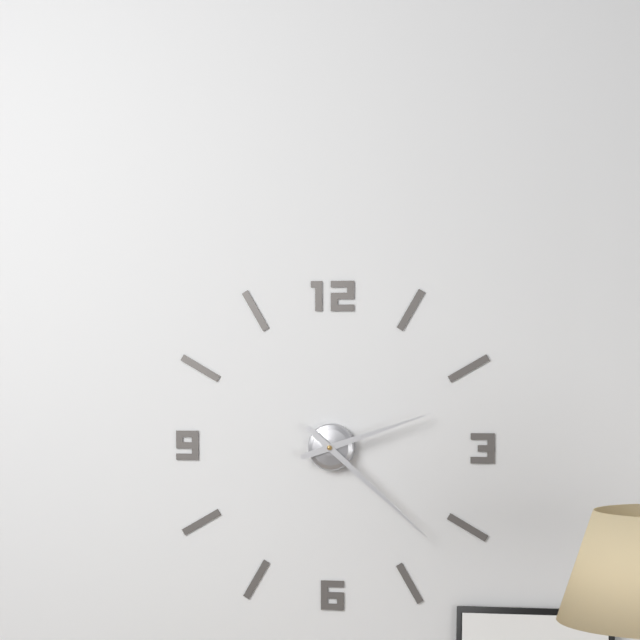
2,22
